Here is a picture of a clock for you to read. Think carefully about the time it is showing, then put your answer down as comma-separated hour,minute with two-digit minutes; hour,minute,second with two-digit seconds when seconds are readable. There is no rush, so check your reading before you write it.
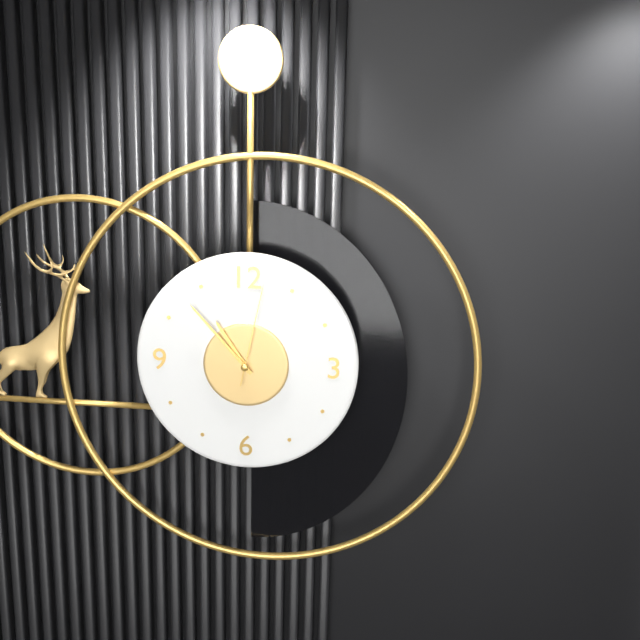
10,53,02
